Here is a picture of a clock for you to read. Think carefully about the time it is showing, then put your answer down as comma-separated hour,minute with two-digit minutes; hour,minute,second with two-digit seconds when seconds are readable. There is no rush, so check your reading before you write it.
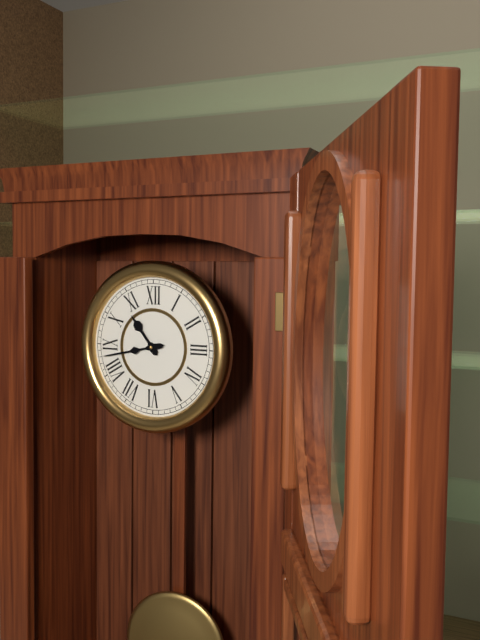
10,43
